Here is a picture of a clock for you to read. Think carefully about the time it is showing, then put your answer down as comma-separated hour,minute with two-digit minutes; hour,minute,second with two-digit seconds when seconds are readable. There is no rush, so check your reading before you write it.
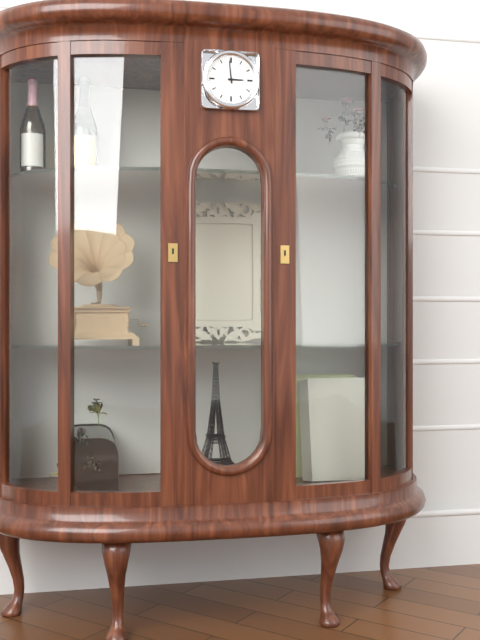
2,59
